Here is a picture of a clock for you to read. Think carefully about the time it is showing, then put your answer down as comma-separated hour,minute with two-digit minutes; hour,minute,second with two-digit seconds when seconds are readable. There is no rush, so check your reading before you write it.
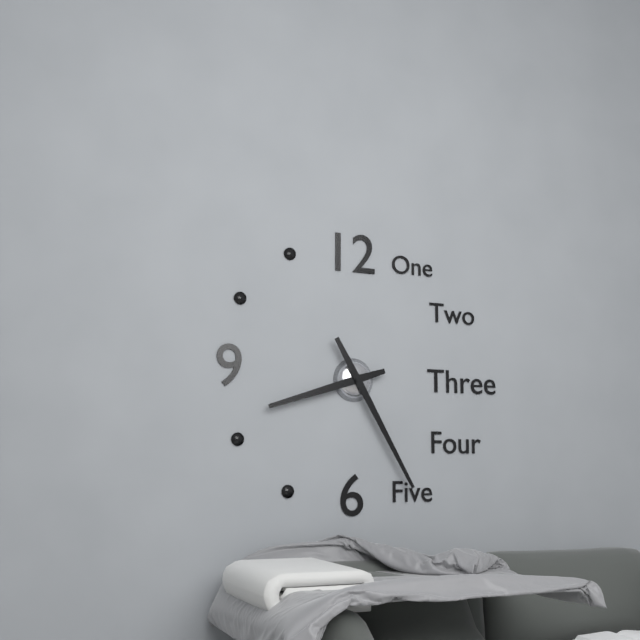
8,25
